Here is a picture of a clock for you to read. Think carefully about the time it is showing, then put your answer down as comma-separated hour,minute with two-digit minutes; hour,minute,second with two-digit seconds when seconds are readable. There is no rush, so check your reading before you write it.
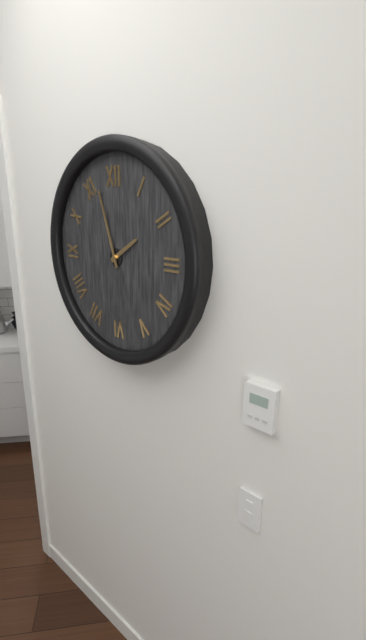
1,57
